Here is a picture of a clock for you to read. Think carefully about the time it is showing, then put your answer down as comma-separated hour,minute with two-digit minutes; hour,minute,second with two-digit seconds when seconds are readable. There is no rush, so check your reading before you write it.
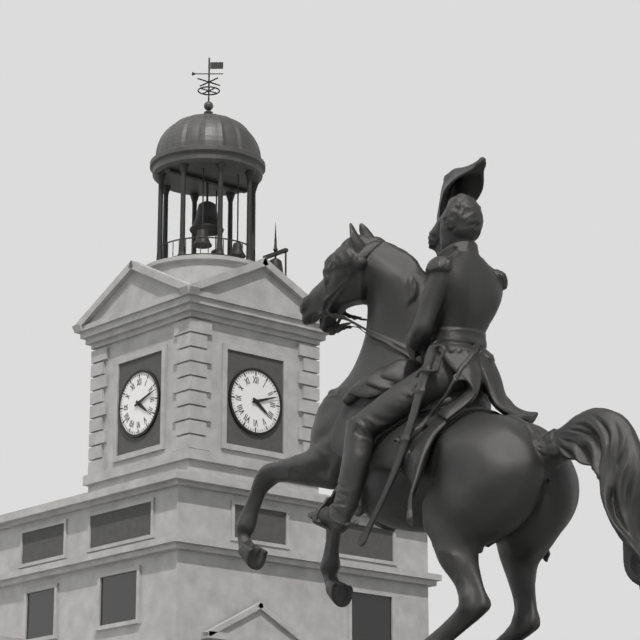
4,12
